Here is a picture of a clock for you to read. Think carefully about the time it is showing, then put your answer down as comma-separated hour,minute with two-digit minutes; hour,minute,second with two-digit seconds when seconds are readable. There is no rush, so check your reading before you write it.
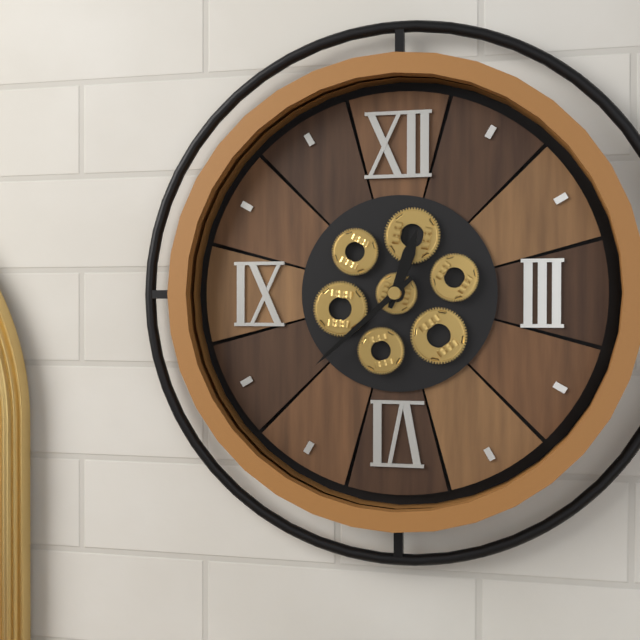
12,38
